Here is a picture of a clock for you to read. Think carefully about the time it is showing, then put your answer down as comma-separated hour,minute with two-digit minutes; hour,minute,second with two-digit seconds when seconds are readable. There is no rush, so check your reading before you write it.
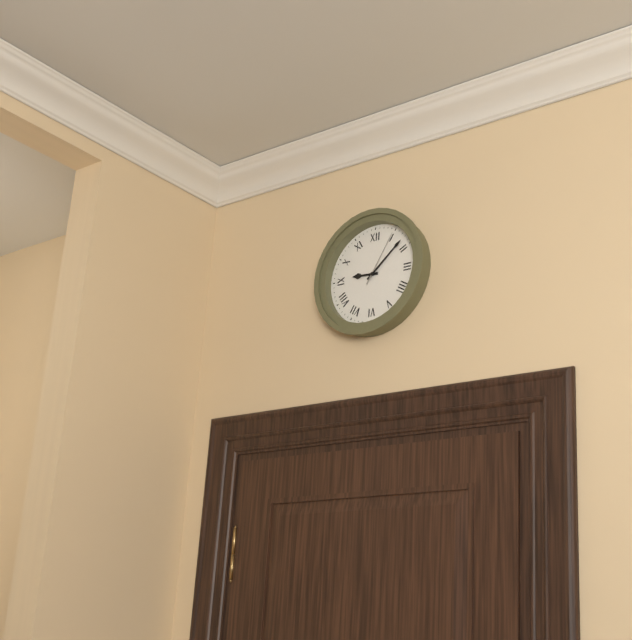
9,08,05
